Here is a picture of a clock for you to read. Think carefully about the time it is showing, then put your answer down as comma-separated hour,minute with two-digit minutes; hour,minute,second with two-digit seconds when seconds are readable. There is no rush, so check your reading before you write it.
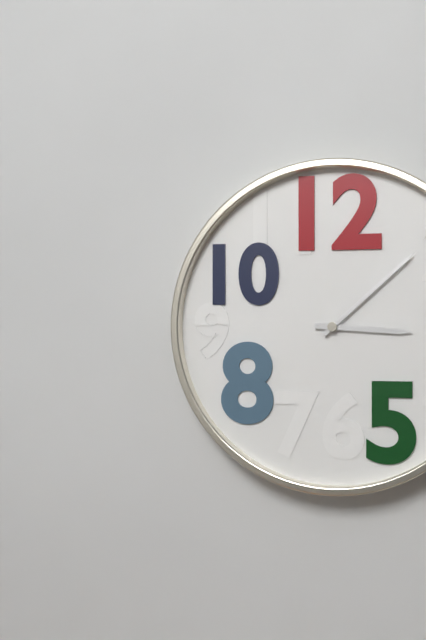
3,08
